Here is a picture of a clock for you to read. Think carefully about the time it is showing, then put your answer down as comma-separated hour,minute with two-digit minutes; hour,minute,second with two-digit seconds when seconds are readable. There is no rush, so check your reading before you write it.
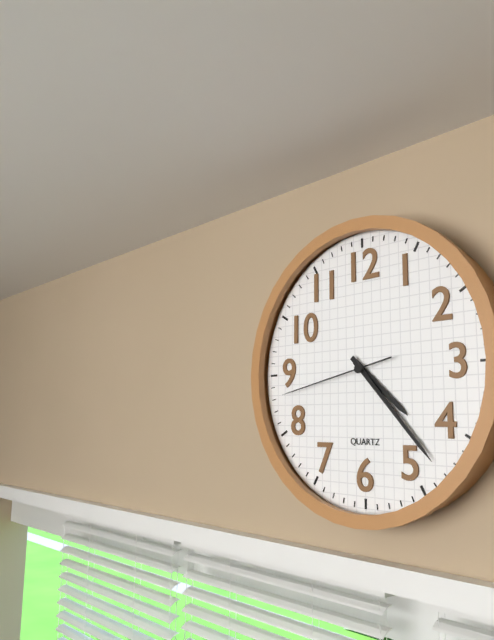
4,23,43
